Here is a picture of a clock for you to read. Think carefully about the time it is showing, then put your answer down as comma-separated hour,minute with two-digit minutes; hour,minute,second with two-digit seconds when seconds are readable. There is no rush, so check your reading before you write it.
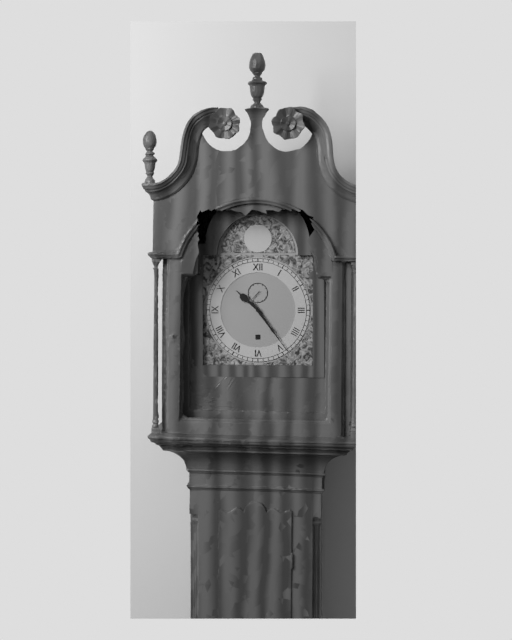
10,24
